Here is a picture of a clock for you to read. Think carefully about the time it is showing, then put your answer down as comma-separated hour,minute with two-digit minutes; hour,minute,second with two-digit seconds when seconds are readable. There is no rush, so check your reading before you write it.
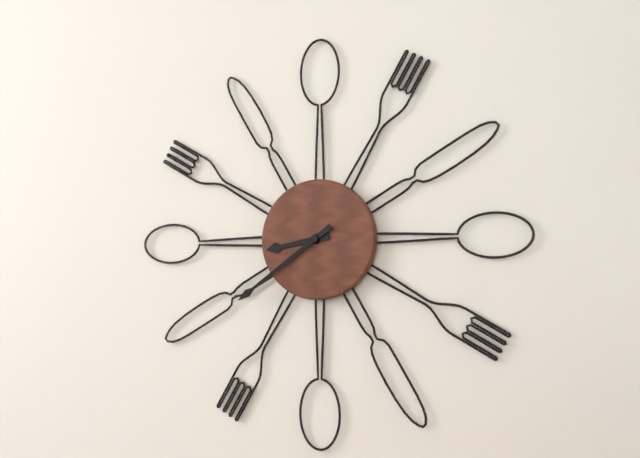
8,39
